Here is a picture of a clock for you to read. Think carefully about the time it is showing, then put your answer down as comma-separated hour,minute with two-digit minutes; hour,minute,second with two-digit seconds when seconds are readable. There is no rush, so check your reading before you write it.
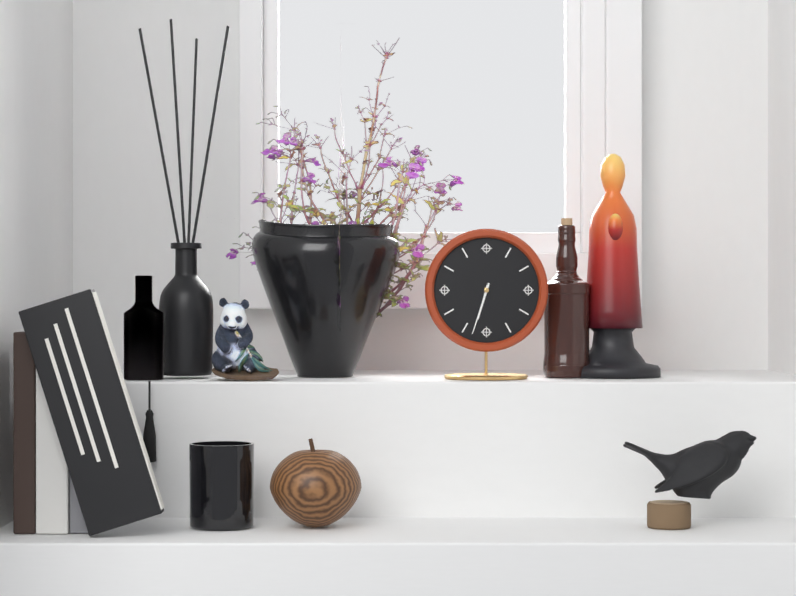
6,33
